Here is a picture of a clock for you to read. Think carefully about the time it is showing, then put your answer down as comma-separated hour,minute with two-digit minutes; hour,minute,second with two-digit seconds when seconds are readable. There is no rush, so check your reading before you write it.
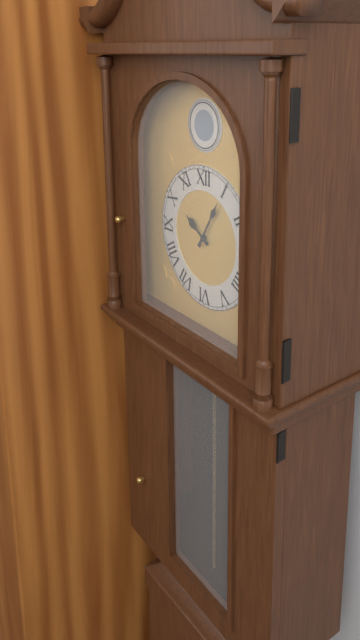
10,05
